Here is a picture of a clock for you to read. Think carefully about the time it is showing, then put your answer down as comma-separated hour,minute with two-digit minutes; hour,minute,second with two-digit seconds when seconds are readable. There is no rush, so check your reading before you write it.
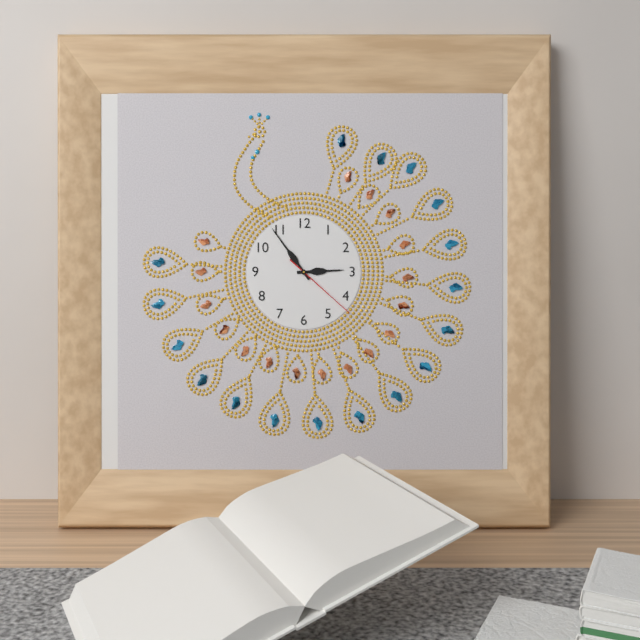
2,54,22
